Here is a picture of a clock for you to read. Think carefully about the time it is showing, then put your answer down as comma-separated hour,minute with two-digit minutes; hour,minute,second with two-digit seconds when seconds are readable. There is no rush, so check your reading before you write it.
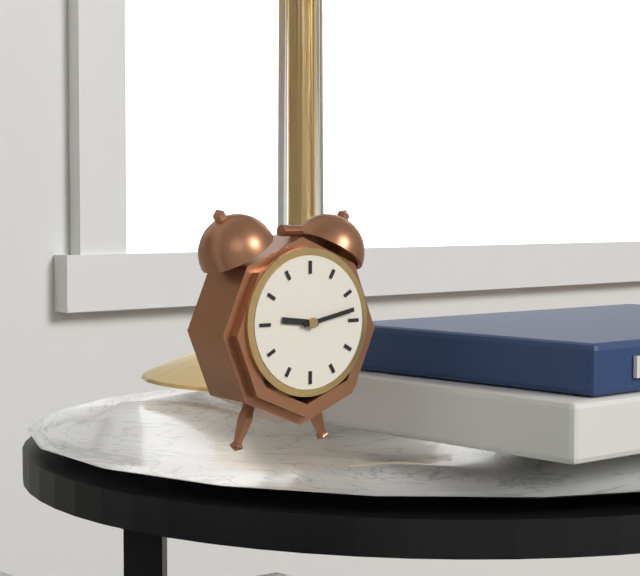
9,13
